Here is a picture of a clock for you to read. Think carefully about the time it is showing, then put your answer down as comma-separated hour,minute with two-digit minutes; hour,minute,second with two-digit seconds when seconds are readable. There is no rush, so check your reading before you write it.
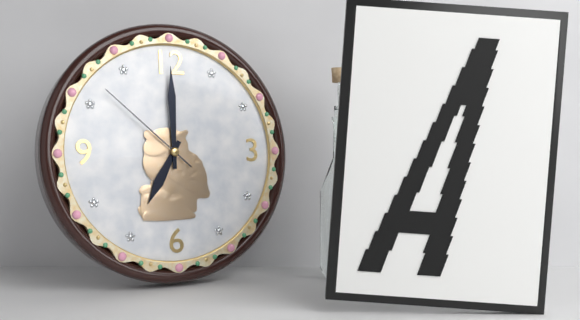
7,00,52
